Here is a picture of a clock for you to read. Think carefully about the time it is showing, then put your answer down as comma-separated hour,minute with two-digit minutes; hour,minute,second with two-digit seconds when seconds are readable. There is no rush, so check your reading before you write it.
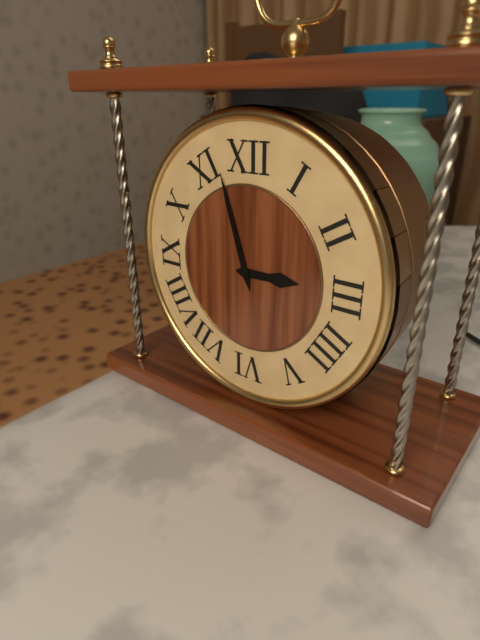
2,57
